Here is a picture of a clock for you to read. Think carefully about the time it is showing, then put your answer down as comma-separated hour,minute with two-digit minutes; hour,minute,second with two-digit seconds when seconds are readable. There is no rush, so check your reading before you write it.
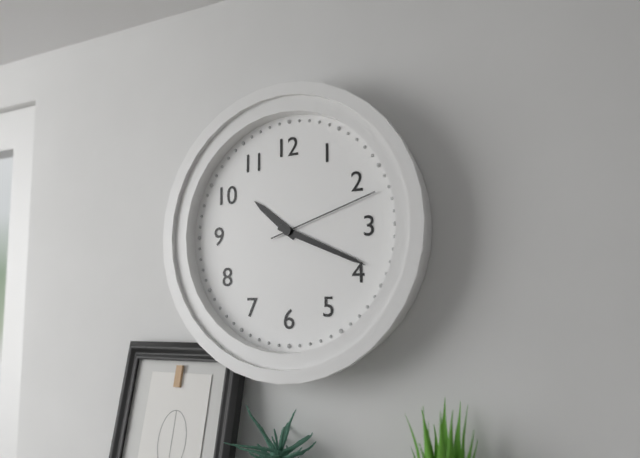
10,19,12
